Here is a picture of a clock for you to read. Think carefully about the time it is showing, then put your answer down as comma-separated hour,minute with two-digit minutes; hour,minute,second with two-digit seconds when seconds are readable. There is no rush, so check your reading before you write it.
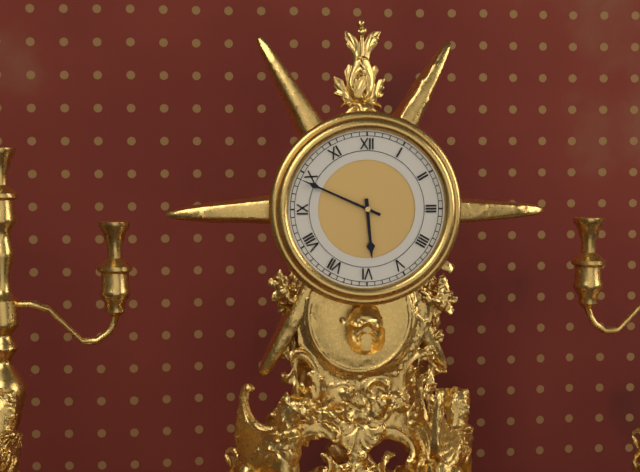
5,49
